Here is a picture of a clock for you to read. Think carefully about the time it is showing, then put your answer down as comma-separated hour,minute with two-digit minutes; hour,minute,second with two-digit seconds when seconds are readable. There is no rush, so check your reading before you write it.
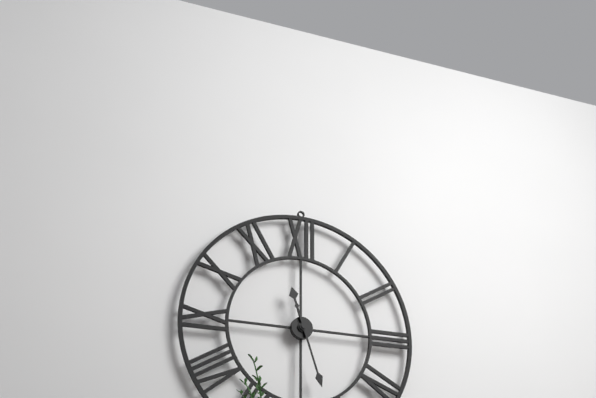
11,27
